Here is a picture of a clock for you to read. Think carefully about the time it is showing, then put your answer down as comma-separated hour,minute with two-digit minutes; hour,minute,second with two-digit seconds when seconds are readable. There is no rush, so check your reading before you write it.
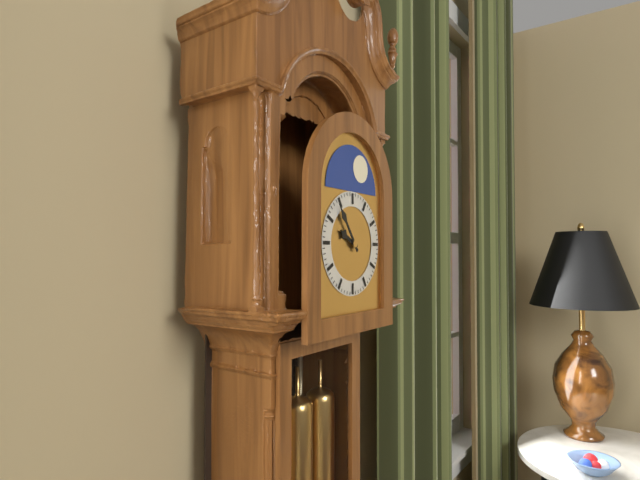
9,54
